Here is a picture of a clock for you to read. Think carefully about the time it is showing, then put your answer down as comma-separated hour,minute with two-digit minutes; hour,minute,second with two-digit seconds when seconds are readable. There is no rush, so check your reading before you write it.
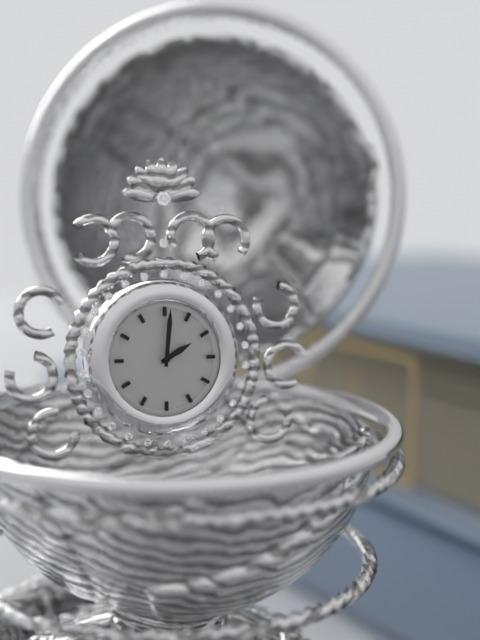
2,01
